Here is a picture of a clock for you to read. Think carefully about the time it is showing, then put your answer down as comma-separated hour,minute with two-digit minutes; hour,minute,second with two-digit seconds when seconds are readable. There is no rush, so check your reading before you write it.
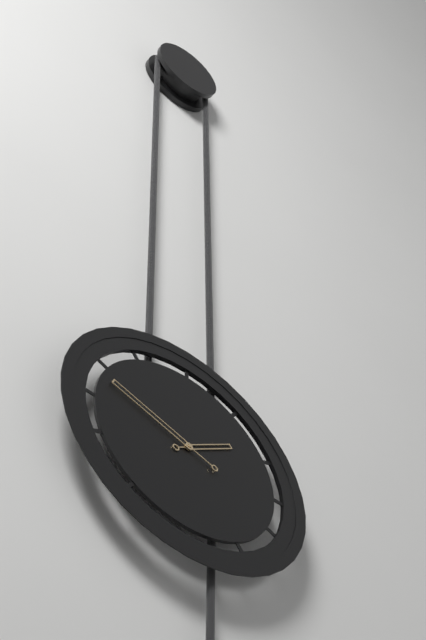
1,48
